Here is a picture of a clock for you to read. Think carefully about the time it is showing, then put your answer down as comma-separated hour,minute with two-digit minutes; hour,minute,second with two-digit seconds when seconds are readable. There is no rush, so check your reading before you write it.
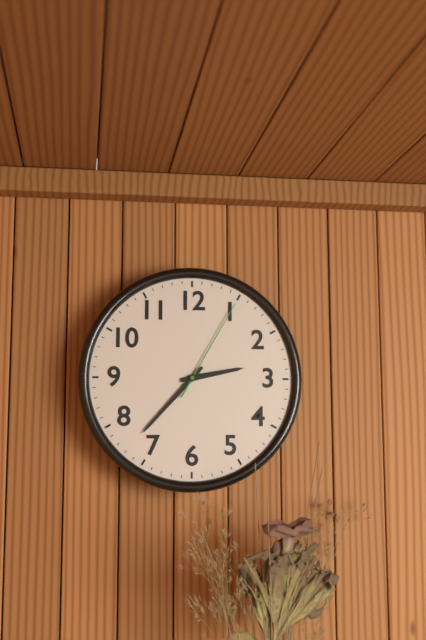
2,37,05
